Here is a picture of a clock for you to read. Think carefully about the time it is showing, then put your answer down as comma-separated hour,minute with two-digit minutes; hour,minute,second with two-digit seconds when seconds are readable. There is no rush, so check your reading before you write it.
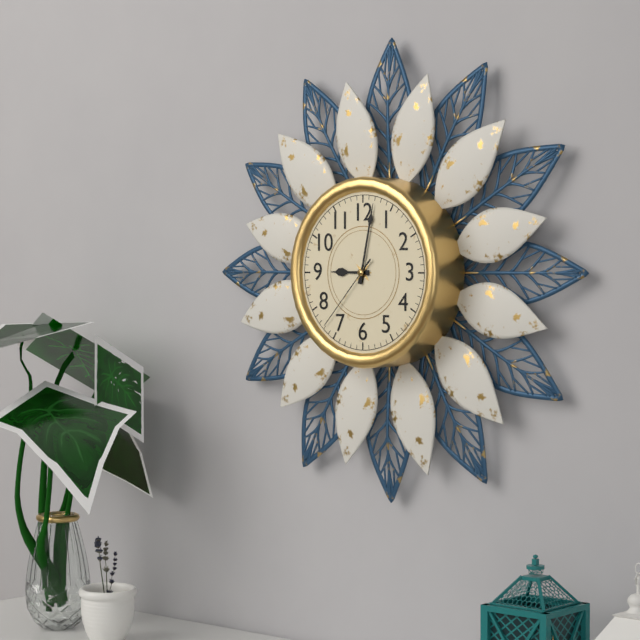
9,02,37
